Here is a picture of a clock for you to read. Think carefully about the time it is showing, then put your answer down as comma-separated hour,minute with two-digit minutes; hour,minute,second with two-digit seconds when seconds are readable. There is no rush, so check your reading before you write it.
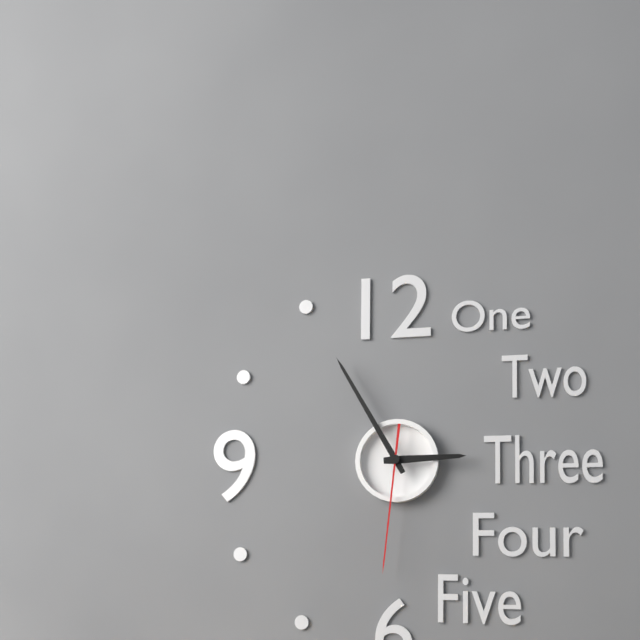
2,55,31
